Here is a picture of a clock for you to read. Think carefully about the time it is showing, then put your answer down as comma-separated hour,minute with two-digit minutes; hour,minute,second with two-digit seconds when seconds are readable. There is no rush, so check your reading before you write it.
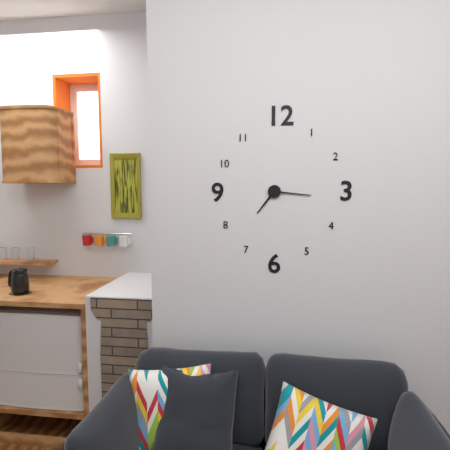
7,16
